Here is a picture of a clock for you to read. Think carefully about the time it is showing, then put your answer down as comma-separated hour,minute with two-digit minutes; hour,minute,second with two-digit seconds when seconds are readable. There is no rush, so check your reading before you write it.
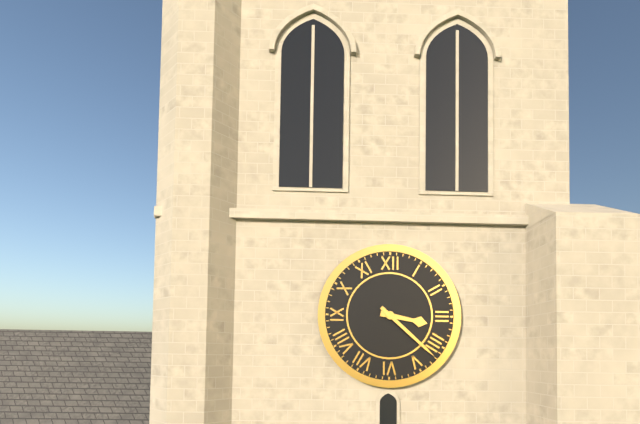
3,22
